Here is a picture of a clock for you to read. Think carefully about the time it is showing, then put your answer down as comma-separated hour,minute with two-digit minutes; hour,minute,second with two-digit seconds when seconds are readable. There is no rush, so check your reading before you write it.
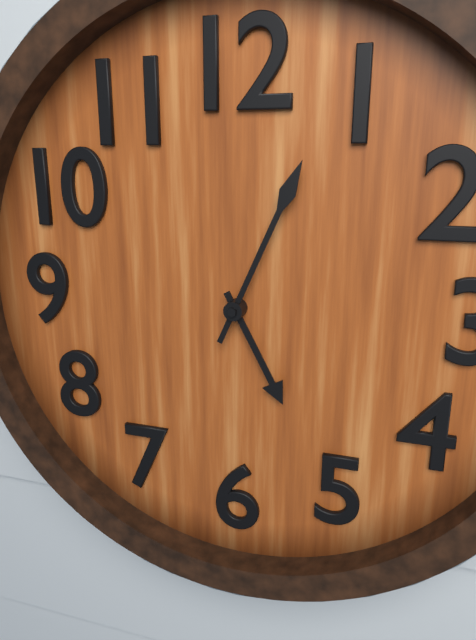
5,04
